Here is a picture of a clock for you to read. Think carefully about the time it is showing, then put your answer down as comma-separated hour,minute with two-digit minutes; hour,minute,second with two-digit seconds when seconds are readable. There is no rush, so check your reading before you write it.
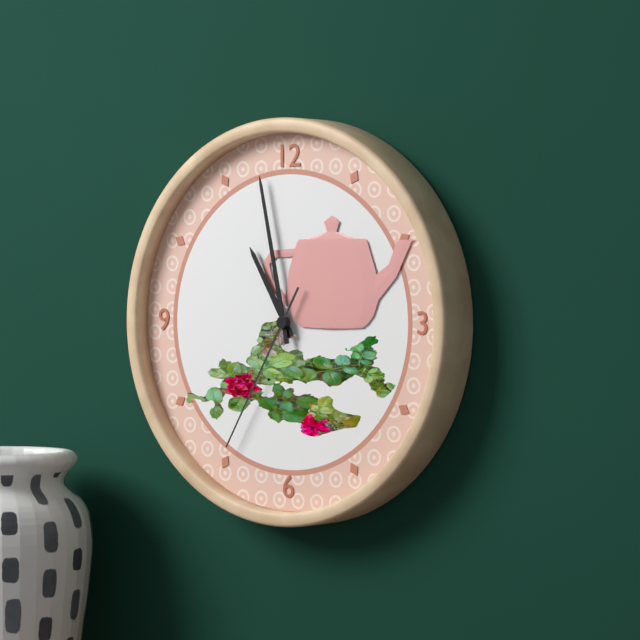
10,58,35
